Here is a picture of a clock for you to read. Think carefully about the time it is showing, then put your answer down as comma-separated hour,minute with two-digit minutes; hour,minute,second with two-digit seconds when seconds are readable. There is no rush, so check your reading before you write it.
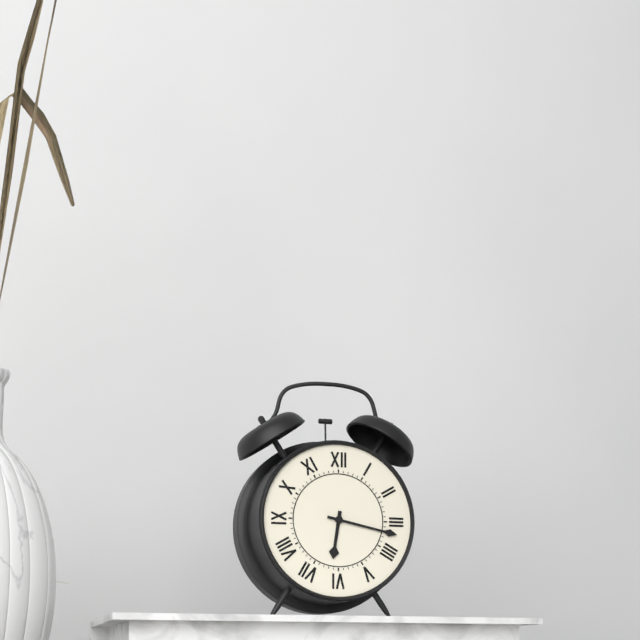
6,17
